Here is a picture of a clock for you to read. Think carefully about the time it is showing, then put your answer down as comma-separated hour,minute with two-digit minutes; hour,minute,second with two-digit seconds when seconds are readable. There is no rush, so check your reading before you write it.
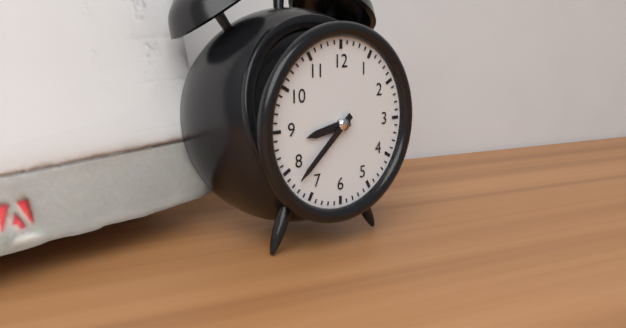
8,38
